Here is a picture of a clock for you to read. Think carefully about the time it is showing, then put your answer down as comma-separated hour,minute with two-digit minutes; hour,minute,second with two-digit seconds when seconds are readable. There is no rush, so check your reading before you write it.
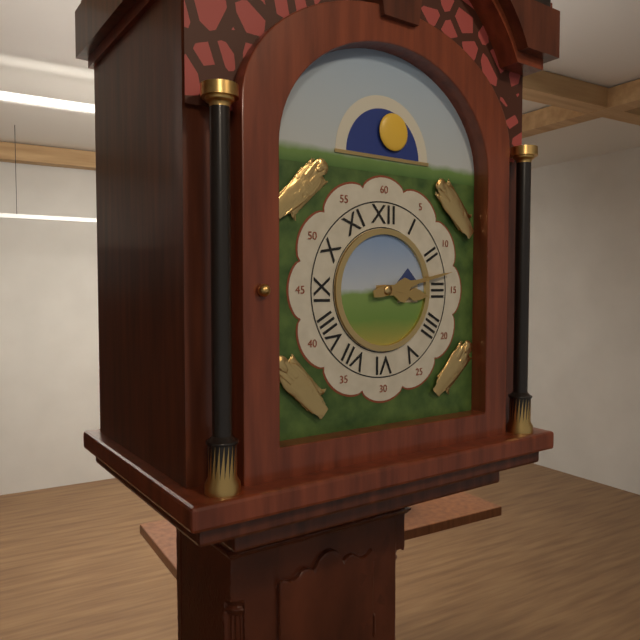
3,13
